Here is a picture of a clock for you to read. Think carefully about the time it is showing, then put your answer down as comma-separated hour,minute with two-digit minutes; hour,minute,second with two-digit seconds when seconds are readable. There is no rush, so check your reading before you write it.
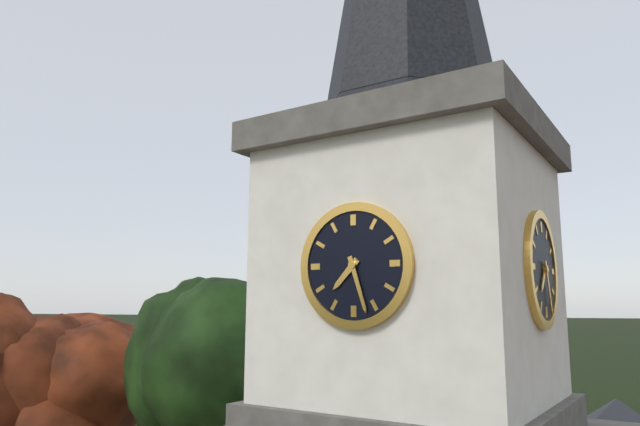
7,27
